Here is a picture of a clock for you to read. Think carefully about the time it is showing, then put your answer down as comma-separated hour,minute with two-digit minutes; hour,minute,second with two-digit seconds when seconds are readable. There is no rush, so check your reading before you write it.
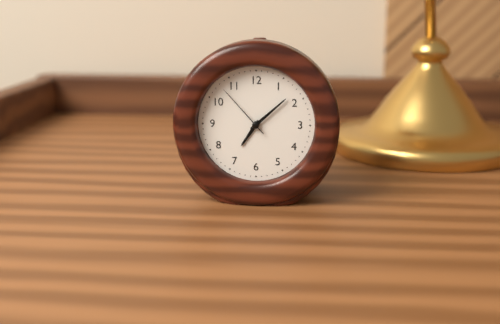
7,08,53
